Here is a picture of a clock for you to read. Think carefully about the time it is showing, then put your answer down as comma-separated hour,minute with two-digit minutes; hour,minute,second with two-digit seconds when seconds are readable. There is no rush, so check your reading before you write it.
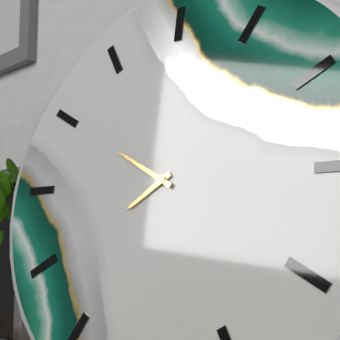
7,50
